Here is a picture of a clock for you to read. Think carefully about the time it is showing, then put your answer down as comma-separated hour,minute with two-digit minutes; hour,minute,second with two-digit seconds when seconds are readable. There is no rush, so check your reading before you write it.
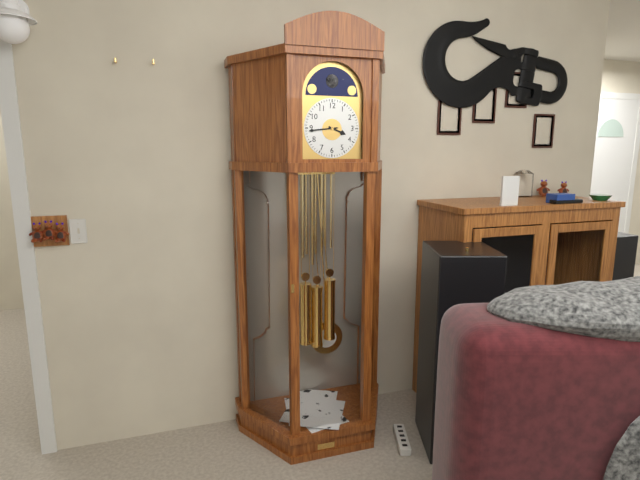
3,44
